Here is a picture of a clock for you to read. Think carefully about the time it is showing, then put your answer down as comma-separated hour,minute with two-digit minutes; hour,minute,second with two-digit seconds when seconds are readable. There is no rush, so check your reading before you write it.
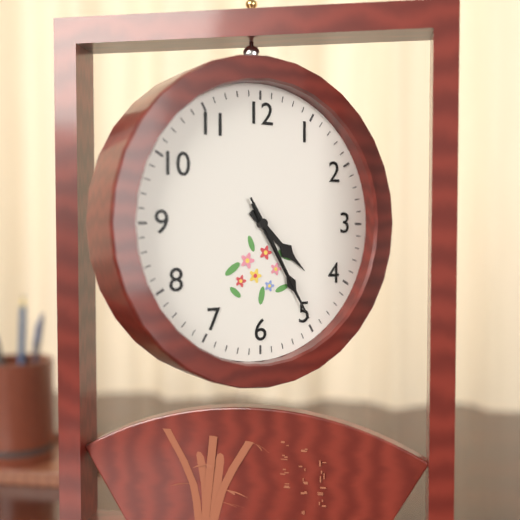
4,25,25
